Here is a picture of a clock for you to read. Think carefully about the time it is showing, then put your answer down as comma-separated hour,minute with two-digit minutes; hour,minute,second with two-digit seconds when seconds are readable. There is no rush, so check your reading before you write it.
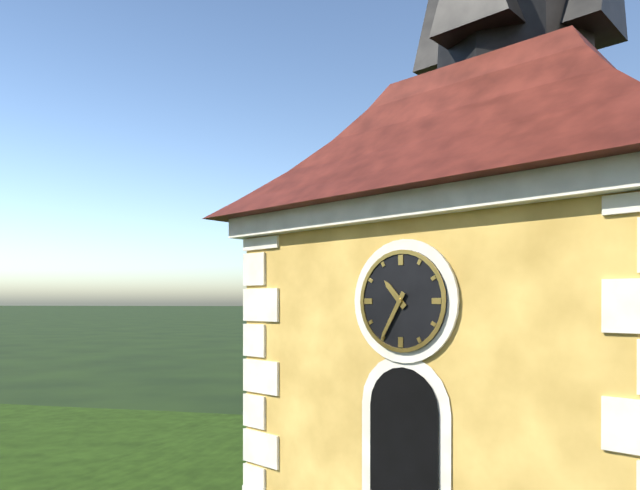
10,35
